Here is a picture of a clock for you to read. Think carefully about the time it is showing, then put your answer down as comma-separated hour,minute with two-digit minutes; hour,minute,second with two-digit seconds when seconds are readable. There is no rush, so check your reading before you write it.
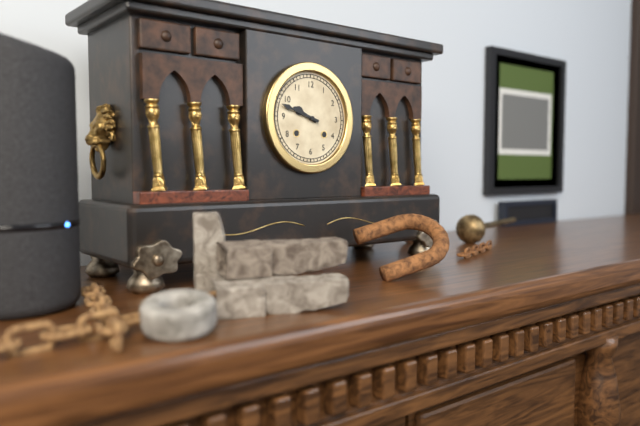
9,48
